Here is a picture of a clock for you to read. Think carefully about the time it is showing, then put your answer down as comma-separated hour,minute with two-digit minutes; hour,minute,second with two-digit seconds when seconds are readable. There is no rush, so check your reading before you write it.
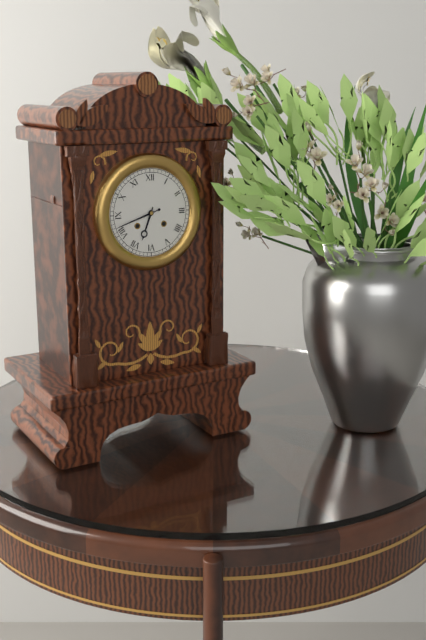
6,42
